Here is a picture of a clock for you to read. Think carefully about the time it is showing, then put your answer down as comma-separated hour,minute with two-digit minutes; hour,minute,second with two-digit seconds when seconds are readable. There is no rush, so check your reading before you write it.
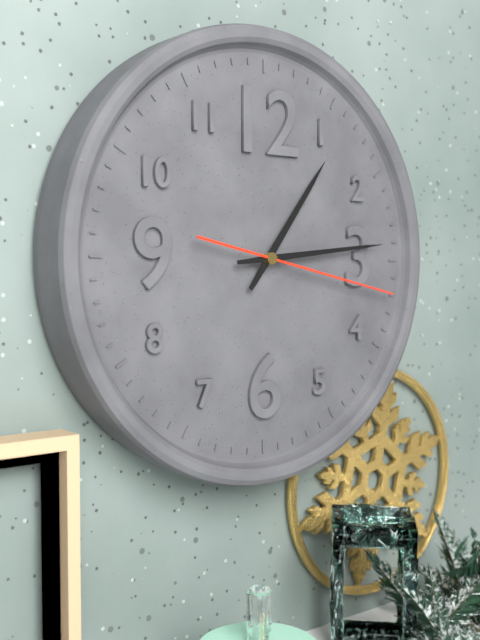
1,14,17
